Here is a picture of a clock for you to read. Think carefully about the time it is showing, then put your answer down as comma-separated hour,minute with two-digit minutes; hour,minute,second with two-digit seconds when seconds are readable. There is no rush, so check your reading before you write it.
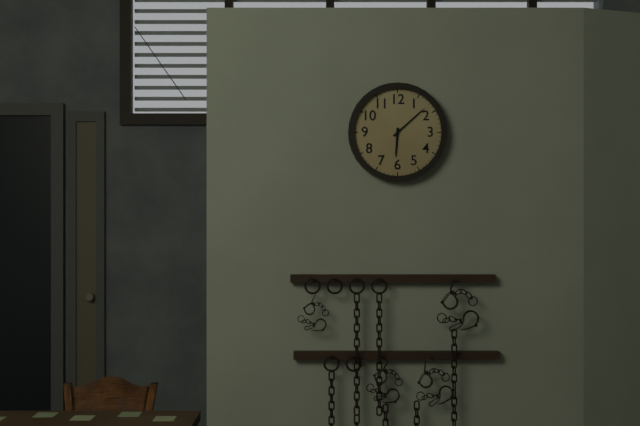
6,08
